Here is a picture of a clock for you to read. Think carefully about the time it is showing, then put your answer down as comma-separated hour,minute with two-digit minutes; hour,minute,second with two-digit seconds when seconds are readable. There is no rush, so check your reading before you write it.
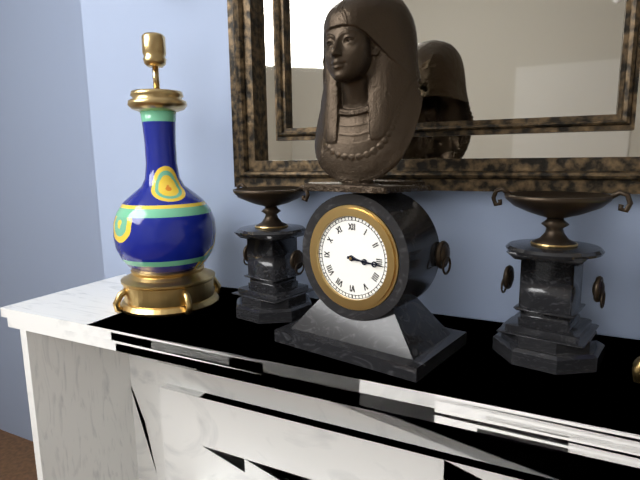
3,16
